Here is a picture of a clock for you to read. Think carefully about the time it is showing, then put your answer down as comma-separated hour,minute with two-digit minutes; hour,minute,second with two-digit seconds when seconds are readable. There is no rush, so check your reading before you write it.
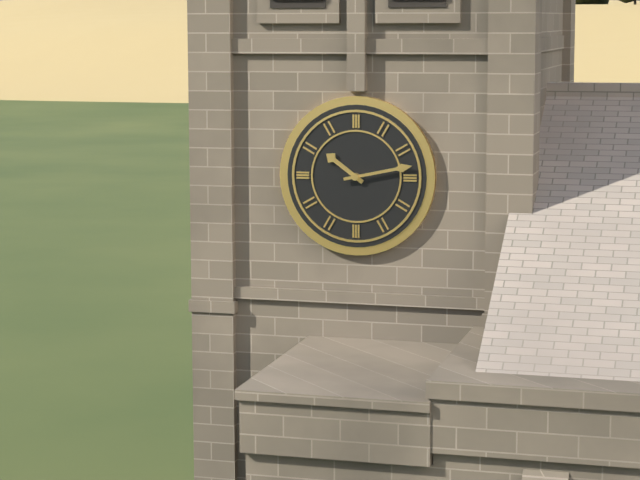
10,13
